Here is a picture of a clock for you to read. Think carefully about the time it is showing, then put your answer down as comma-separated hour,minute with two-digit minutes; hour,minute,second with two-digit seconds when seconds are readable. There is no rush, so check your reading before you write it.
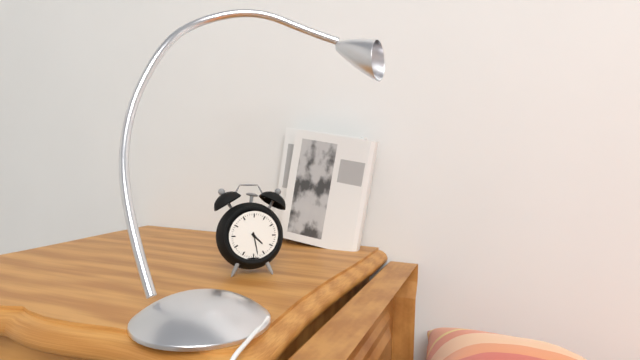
4,28
